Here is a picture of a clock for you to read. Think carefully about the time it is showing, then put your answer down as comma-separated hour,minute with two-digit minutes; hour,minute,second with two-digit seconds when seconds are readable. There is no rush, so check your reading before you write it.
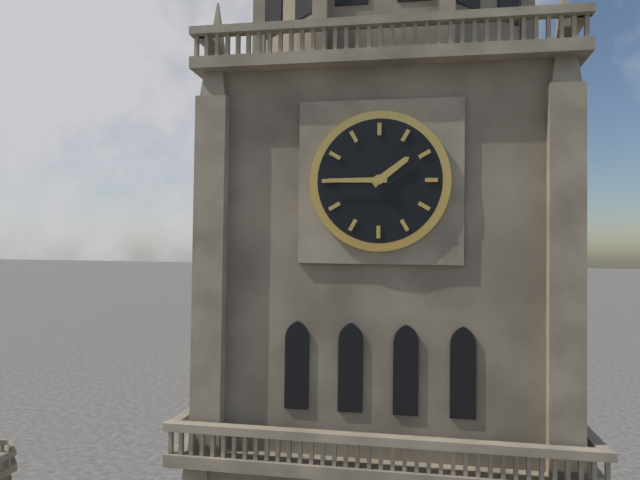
1,45
